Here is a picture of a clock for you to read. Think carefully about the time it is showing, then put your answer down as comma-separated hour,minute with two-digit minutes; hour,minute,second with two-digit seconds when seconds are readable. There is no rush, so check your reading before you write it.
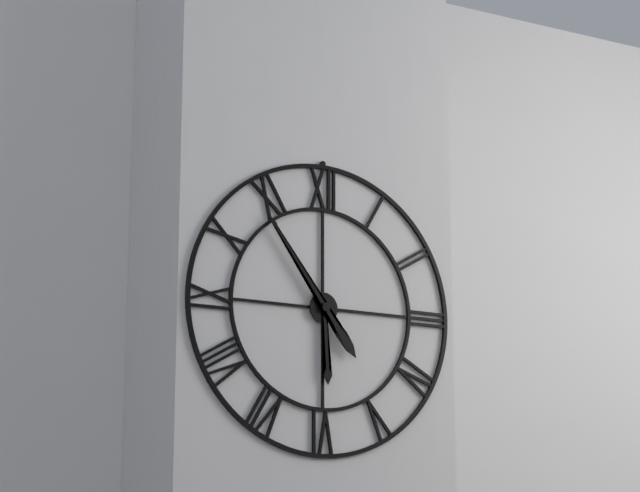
5,54
